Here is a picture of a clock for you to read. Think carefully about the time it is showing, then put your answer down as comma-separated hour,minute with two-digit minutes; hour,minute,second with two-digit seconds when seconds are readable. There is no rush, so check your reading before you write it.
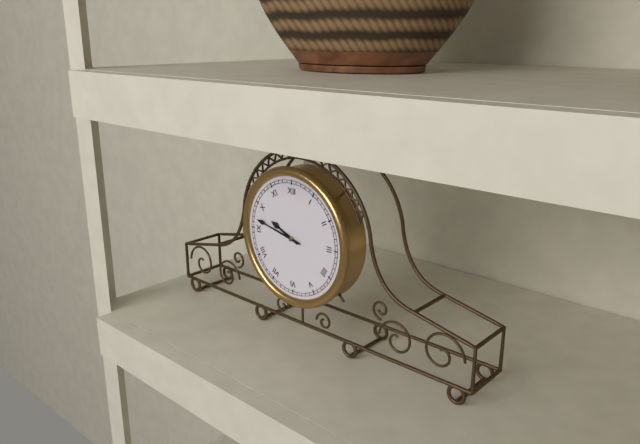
9,47
